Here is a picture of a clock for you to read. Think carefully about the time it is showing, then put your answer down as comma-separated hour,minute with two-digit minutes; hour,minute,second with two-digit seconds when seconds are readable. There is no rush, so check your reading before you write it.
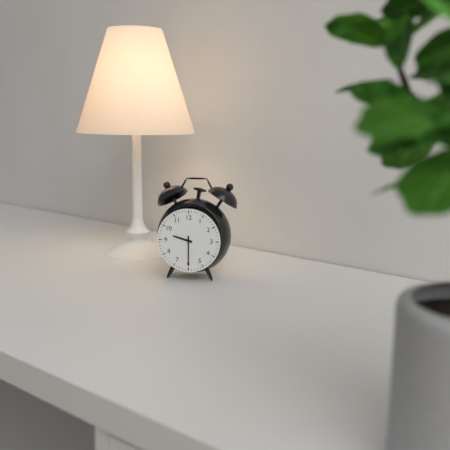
9,30
